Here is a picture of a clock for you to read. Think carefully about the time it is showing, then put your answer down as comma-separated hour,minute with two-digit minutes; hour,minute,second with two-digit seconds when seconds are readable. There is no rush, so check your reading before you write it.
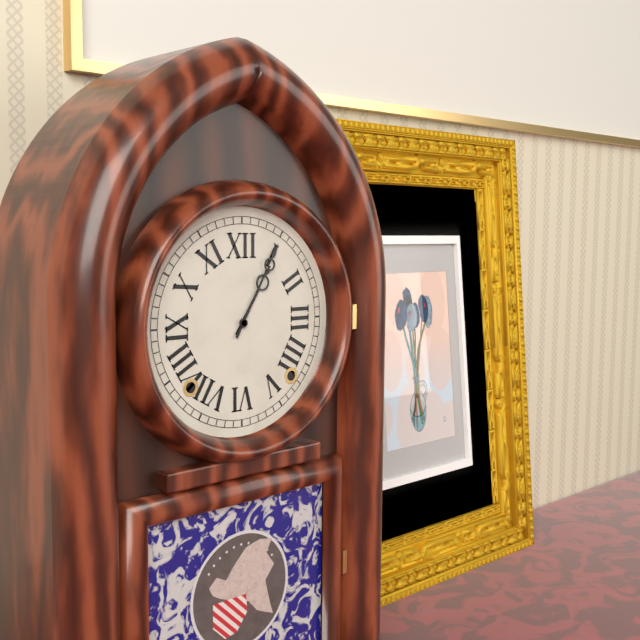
1,05
